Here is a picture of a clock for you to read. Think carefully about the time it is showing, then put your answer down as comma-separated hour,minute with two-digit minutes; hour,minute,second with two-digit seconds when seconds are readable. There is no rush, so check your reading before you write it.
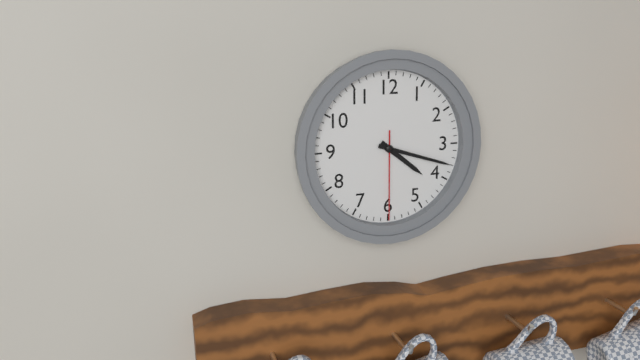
4,18,30
